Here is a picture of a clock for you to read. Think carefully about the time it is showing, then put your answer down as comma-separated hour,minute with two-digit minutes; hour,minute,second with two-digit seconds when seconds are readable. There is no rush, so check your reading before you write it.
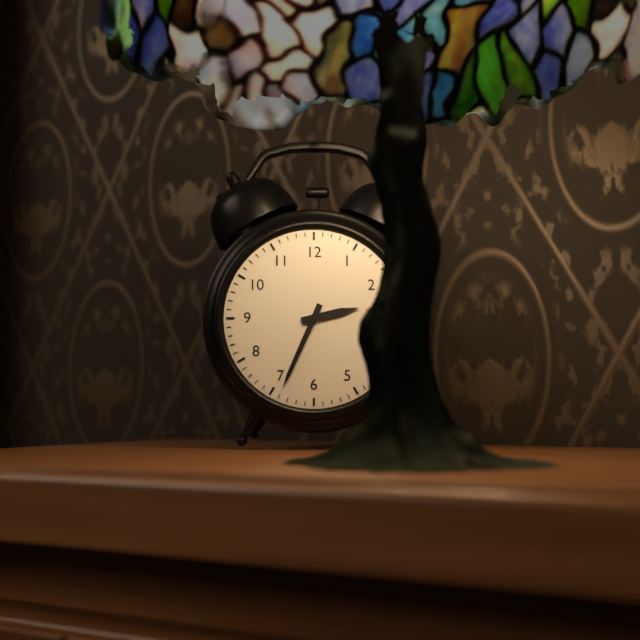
2,34
